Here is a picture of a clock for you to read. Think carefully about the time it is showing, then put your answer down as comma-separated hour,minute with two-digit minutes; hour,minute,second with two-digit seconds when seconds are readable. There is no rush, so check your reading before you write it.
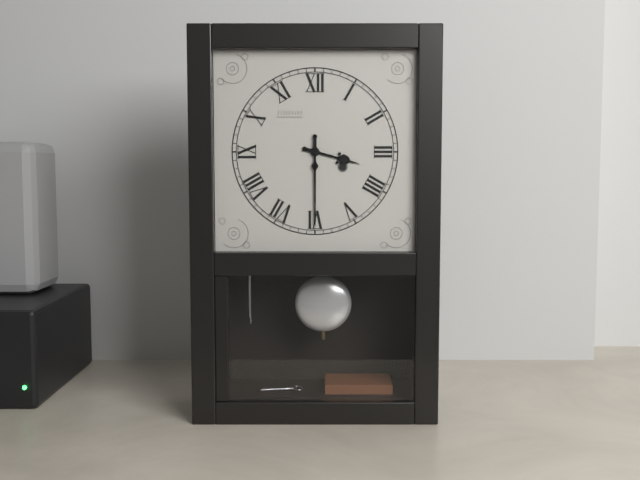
3,30
